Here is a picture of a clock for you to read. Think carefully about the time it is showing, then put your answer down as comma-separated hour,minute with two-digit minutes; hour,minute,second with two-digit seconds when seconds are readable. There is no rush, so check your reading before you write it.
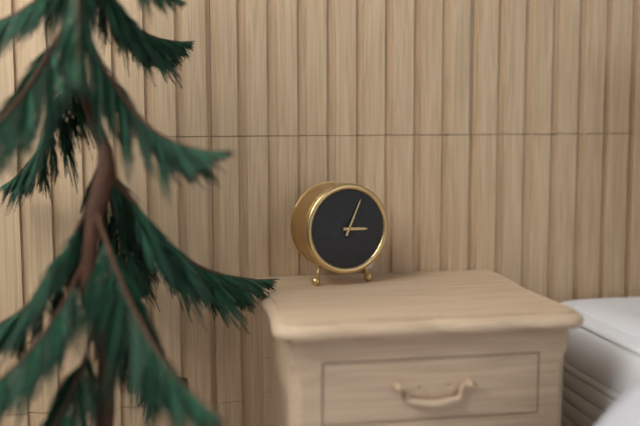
3,04
